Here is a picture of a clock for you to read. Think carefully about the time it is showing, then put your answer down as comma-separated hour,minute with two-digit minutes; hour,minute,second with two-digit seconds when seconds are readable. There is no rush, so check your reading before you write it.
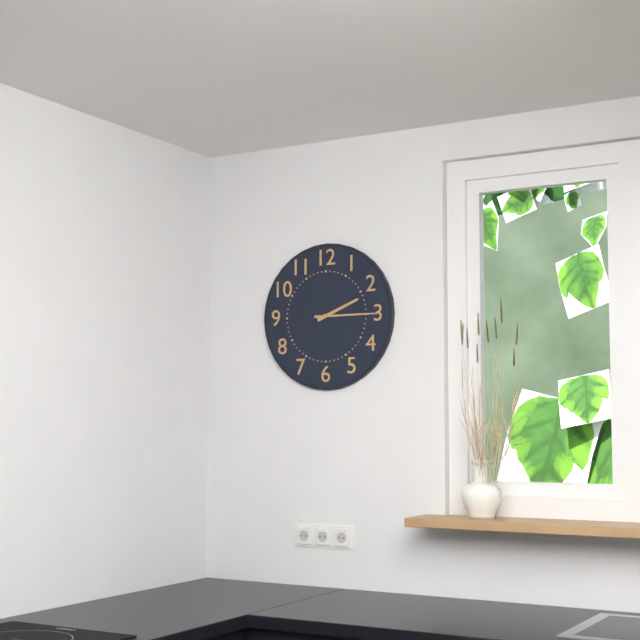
2,15
